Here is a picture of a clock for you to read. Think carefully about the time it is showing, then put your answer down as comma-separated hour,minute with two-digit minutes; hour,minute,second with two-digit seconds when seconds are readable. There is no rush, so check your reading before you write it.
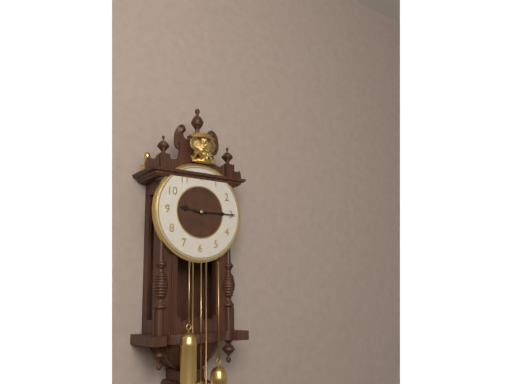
9,15
